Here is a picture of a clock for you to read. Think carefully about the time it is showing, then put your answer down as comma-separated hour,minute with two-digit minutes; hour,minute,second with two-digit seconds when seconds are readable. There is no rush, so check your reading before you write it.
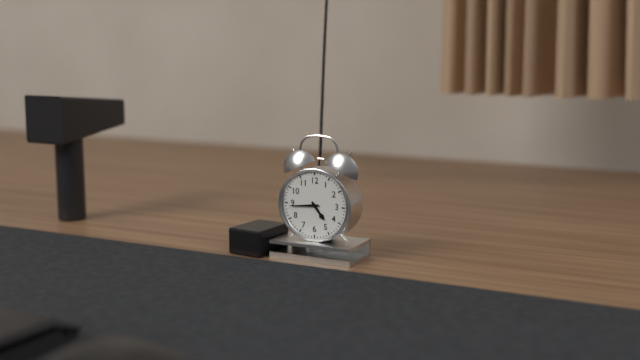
4,44
